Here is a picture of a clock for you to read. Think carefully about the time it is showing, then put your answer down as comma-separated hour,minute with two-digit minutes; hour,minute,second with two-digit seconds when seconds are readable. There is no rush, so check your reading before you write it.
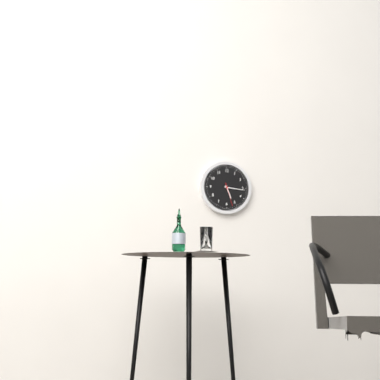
5,16
